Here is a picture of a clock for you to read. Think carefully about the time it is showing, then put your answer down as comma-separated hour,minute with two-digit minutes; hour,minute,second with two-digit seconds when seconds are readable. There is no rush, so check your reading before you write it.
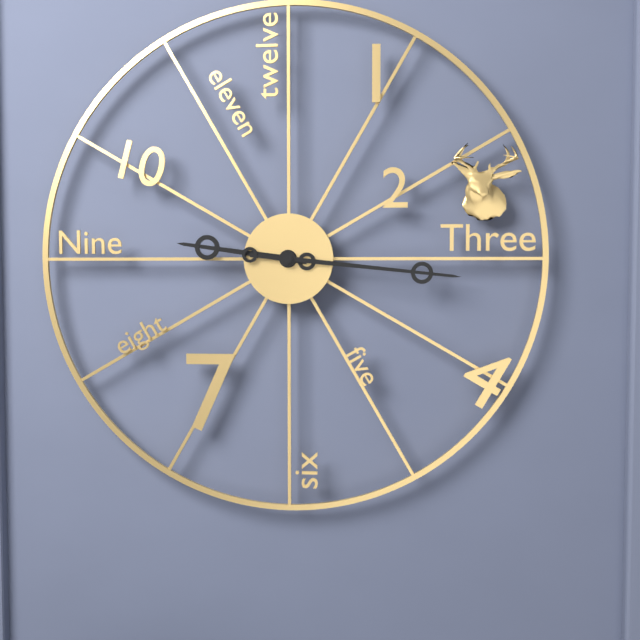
9,16
